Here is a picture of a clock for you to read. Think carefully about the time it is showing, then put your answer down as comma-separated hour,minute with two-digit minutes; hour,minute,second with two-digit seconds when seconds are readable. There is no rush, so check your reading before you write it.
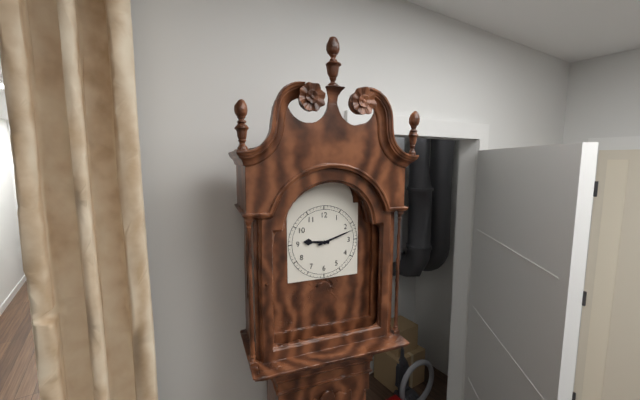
9,12
